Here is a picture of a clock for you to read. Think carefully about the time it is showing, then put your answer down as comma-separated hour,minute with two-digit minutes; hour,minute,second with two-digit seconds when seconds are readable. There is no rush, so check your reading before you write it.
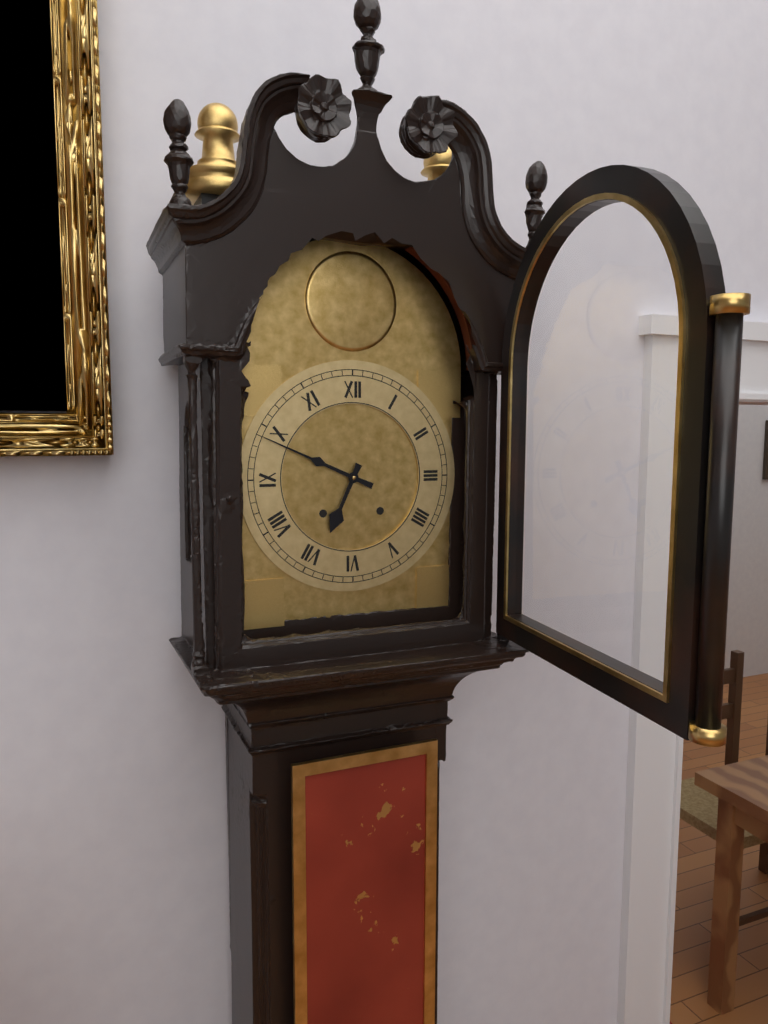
6,49
